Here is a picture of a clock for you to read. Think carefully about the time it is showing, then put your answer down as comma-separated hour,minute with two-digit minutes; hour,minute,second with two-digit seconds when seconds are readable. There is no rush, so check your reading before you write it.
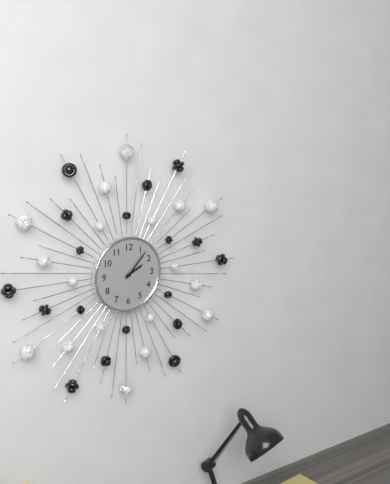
2,07
